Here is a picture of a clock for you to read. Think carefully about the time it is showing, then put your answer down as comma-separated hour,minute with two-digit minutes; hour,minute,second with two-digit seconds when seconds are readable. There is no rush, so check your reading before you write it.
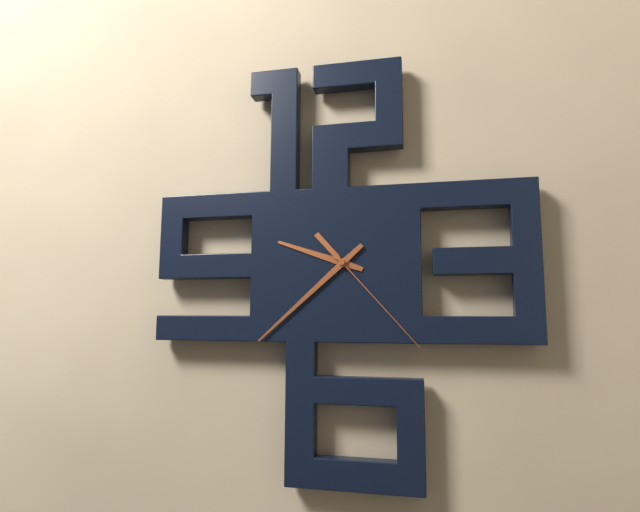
9,38,23
